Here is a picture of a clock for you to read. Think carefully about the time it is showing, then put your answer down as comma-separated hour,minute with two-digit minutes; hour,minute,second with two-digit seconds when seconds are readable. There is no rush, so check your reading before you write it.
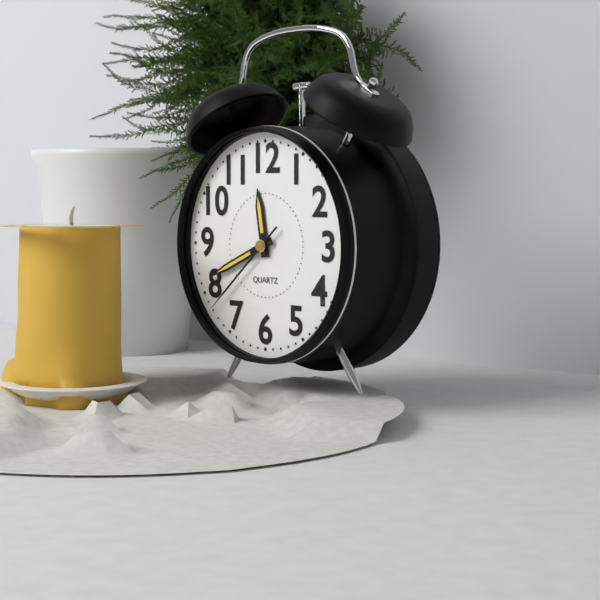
11,41,38
